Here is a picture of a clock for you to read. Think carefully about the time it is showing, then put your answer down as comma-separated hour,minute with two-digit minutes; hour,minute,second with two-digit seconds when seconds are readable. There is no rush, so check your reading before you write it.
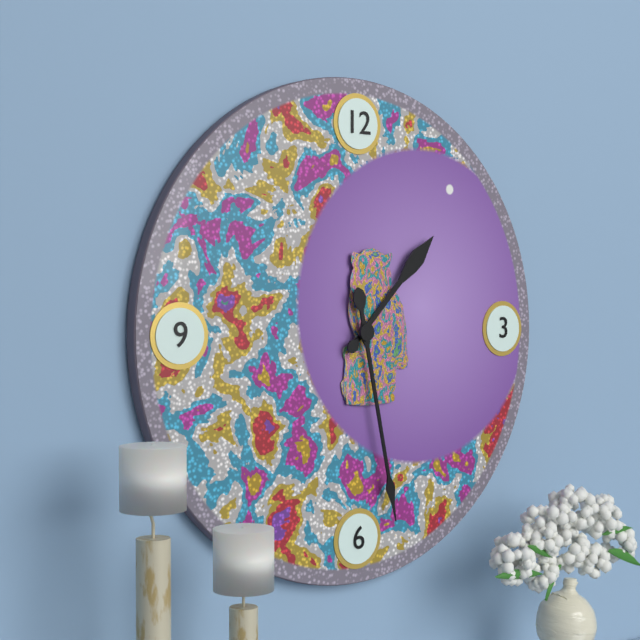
1,28
